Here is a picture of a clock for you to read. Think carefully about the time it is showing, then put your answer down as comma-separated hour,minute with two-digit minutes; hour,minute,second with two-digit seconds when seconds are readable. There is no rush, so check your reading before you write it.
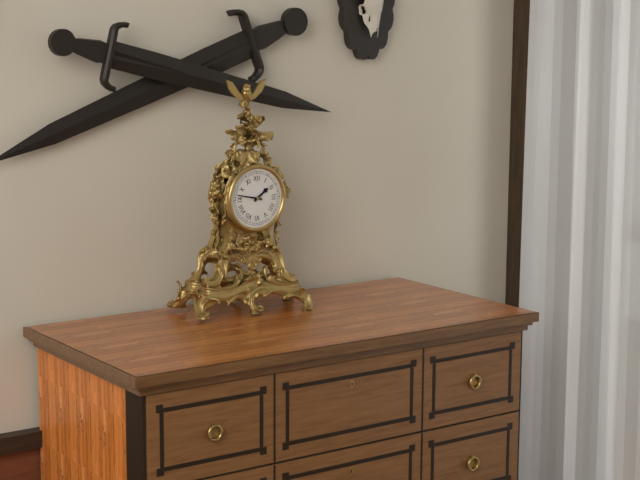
1,47
